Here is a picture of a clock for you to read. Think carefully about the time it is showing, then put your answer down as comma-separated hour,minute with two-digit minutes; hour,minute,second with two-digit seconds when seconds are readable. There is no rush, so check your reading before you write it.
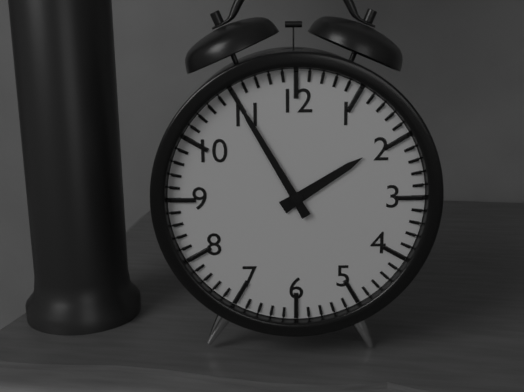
1,55
